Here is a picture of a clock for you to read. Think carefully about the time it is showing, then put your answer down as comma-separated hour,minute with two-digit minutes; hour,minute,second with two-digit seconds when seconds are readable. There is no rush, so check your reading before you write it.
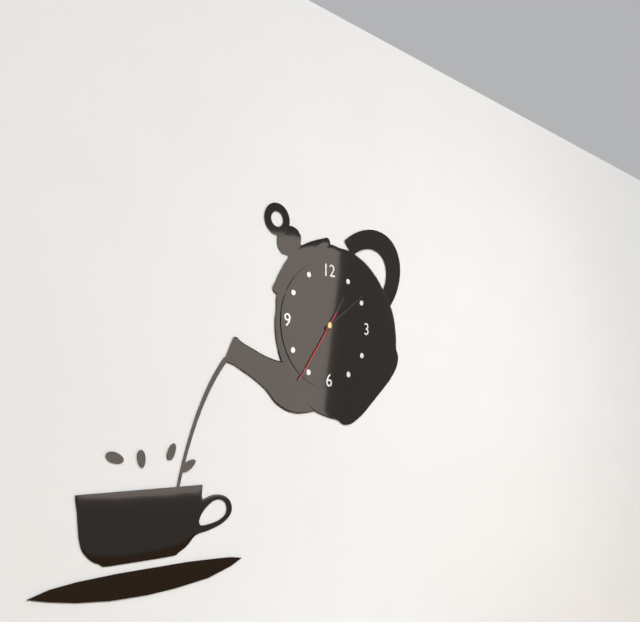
1,09,36
